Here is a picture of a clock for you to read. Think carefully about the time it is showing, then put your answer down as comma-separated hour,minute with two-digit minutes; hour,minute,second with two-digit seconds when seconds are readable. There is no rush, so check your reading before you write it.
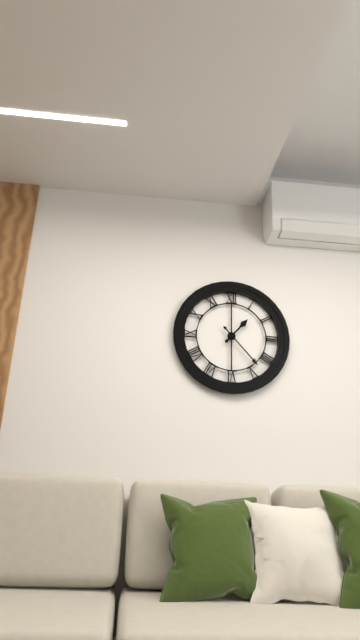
1,23
